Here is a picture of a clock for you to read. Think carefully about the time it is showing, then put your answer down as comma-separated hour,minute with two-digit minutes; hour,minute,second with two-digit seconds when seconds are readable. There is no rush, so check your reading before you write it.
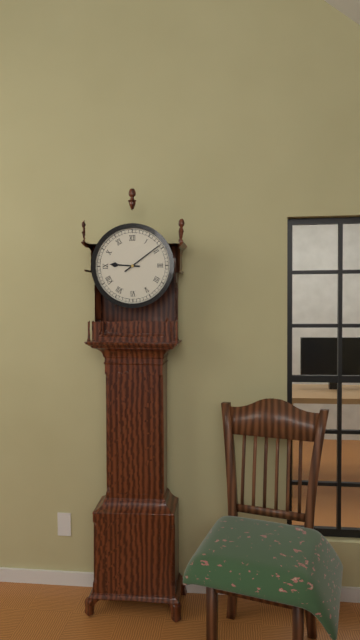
9,09
